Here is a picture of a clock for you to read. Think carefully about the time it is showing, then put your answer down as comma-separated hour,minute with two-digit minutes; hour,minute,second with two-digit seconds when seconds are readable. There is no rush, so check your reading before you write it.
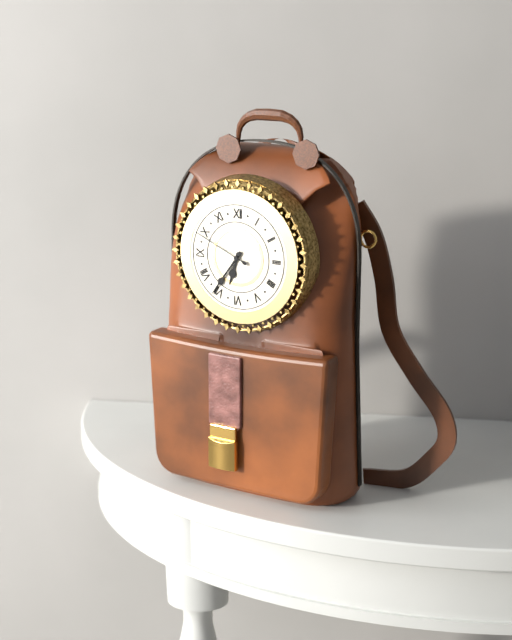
6,36,49
